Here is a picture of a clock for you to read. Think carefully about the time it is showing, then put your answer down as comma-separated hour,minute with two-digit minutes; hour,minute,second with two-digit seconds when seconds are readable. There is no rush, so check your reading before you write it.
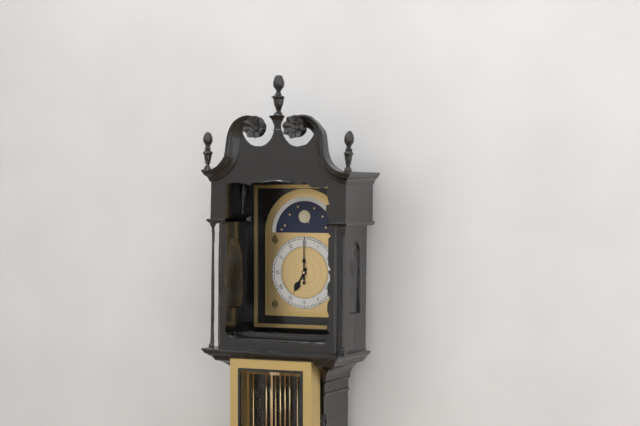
7,00
